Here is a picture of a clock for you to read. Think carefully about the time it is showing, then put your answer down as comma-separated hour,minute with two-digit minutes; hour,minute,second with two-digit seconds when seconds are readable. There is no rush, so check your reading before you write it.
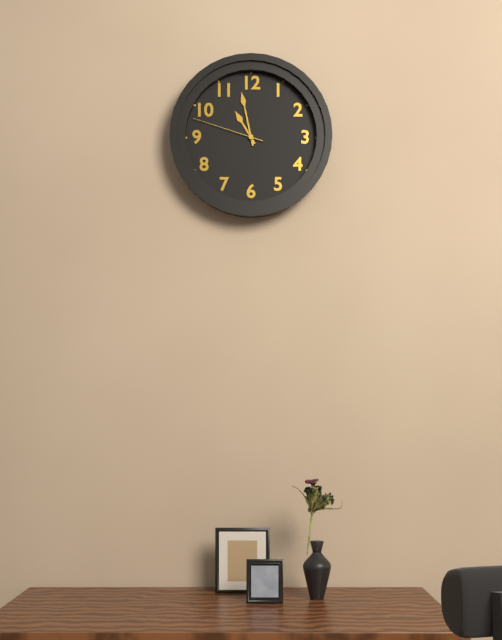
10,58,48
